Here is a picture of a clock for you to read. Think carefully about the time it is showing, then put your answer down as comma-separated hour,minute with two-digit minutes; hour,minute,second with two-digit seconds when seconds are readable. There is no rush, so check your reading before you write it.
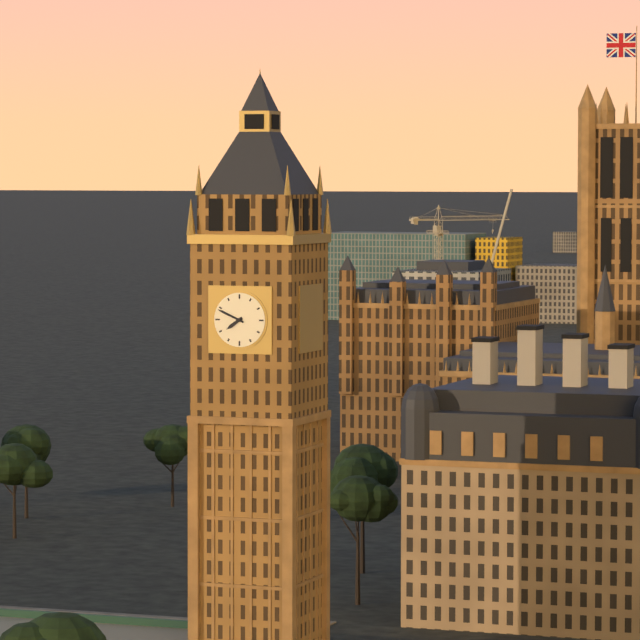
7,49
